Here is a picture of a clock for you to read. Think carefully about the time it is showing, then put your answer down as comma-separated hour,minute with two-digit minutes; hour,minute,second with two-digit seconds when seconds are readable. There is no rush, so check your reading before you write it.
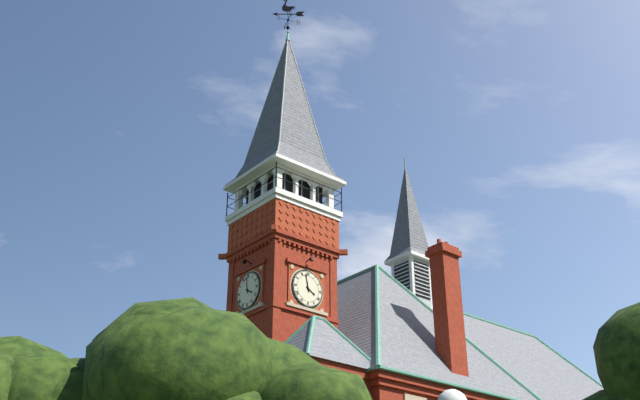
3,58
